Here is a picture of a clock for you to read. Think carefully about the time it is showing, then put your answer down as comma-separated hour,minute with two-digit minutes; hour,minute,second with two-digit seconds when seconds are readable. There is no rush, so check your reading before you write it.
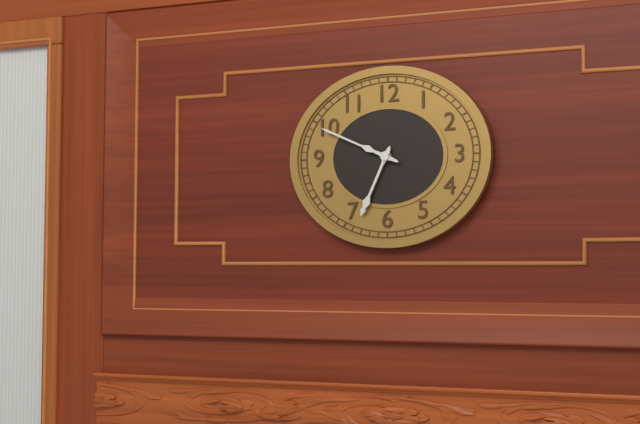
6,49
